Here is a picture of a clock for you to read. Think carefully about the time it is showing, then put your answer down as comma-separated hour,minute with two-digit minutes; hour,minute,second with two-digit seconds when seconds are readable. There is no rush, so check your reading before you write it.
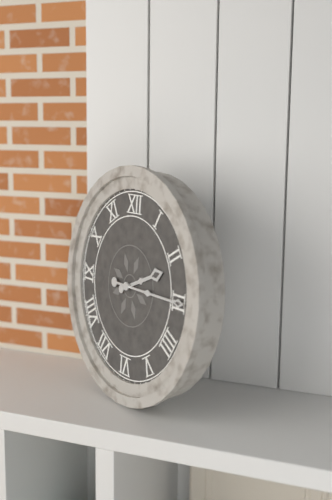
2,15
